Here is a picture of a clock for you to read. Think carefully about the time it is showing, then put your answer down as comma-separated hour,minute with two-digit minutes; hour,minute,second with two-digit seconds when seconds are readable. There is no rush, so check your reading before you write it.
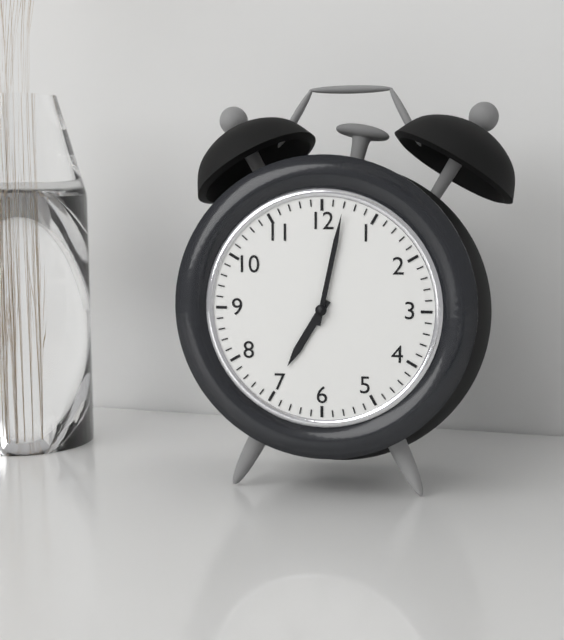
7,02
